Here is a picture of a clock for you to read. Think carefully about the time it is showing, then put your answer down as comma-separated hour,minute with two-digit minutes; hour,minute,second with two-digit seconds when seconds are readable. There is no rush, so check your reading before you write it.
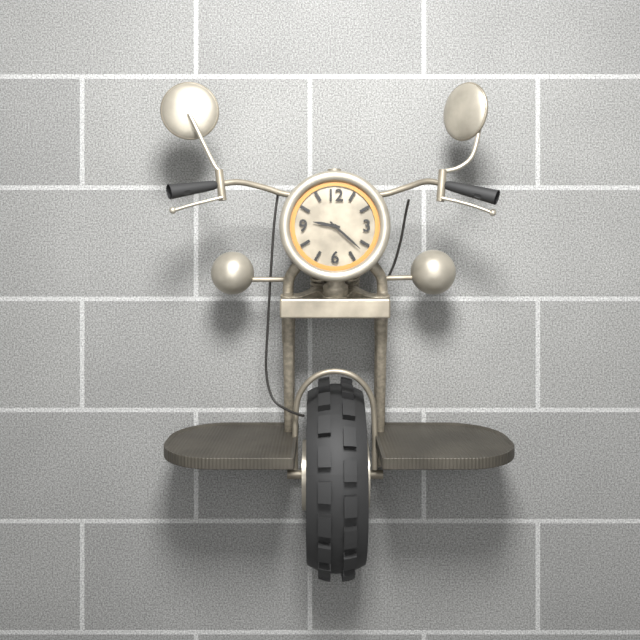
9,22
